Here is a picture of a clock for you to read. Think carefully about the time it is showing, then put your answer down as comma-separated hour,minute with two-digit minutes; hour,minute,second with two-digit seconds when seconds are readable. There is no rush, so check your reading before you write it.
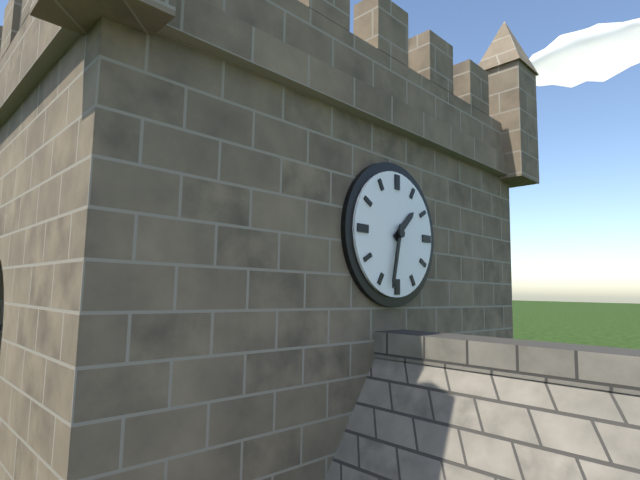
1,32
